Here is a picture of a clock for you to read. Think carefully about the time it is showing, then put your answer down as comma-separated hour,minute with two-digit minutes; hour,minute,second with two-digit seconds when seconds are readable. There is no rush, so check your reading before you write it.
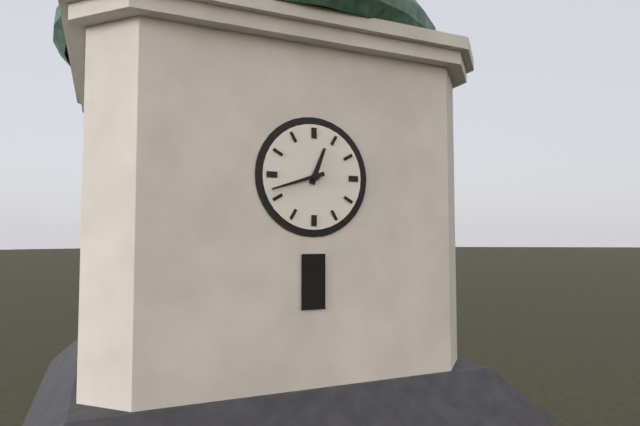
12,42
